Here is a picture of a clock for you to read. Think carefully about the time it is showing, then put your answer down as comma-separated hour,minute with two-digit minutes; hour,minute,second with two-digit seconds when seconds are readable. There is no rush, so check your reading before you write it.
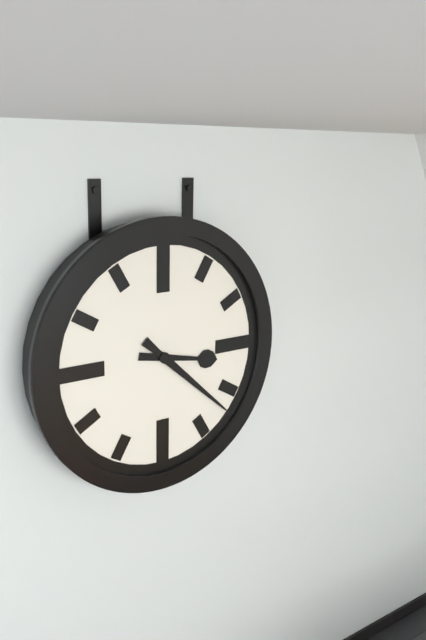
3,22
